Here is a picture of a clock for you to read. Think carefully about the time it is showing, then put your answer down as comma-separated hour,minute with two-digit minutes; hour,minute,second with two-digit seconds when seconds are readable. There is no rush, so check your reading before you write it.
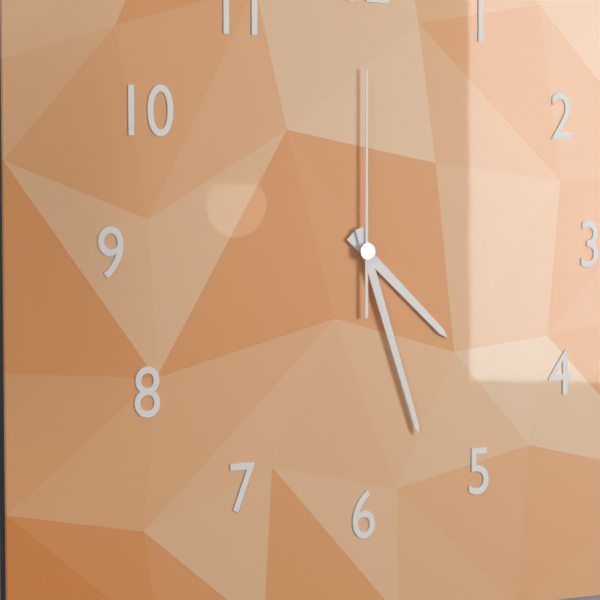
4,27,00
